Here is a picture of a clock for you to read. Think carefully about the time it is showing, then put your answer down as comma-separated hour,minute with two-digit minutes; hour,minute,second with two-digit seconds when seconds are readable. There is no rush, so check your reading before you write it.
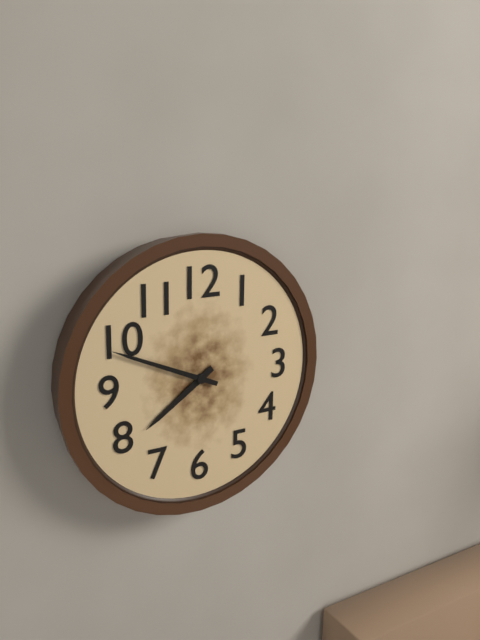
7,49
